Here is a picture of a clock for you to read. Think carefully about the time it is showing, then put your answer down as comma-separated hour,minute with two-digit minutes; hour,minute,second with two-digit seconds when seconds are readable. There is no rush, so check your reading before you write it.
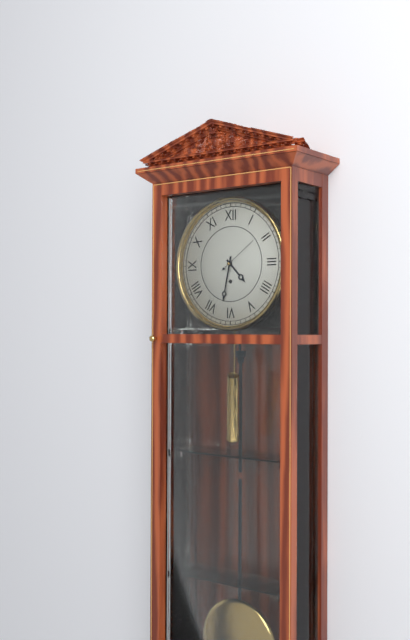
4,32
